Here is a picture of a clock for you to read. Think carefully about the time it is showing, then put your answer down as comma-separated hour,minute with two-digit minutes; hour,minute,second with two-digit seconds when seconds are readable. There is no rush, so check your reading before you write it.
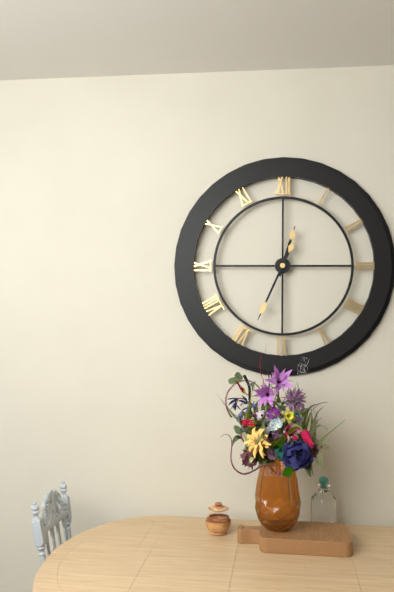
12,34
